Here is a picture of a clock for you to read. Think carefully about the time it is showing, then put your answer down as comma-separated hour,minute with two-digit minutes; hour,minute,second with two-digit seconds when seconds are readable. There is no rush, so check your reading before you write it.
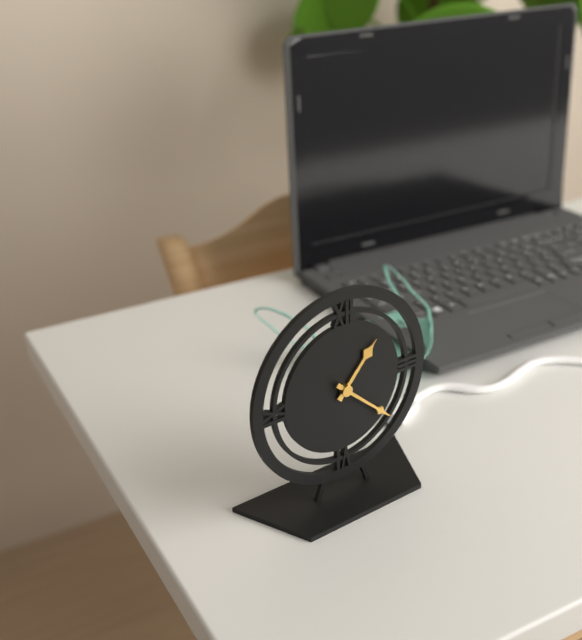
1,22
